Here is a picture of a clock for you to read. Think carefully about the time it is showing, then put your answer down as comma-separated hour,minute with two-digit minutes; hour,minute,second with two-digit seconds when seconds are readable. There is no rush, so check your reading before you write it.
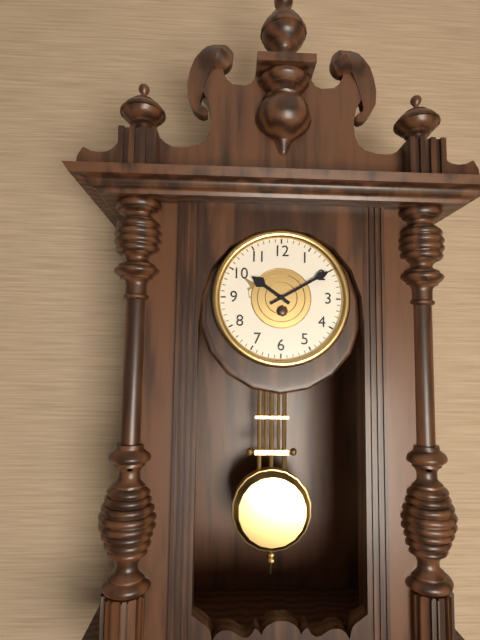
10,10
